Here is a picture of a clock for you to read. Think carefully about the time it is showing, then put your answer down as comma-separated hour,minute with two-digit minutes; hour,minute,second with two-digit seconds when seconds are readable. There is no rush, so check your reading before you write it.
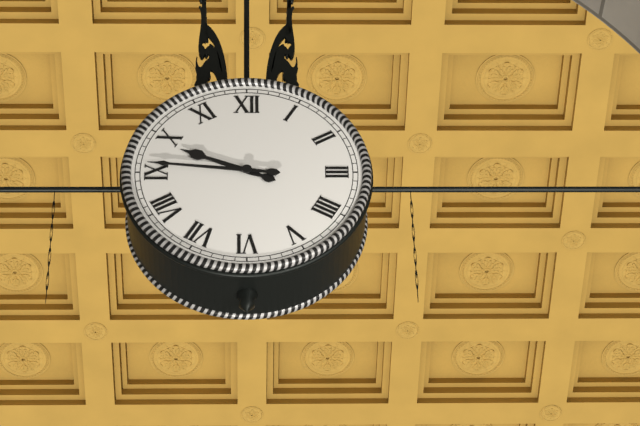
9,46
